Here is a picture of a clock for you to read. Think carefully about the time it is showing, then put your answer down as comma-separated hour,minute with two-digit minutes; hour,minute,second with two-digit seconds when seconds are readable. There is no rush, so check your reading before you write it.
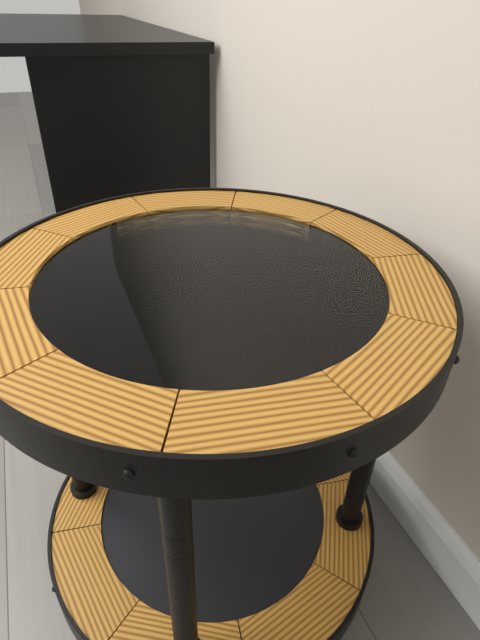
1,52
